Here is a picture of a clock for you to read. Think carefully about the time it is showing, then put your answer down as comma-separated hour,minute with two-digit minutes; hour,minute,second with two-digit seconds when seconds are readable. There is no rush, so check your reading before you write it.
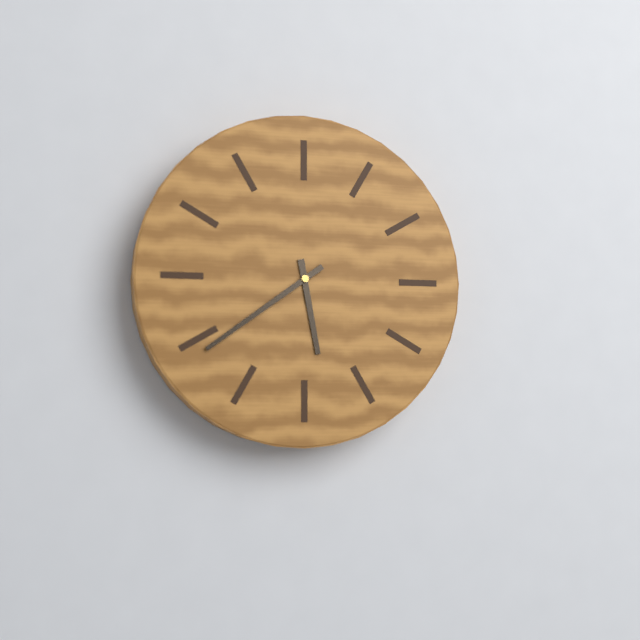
5,39
